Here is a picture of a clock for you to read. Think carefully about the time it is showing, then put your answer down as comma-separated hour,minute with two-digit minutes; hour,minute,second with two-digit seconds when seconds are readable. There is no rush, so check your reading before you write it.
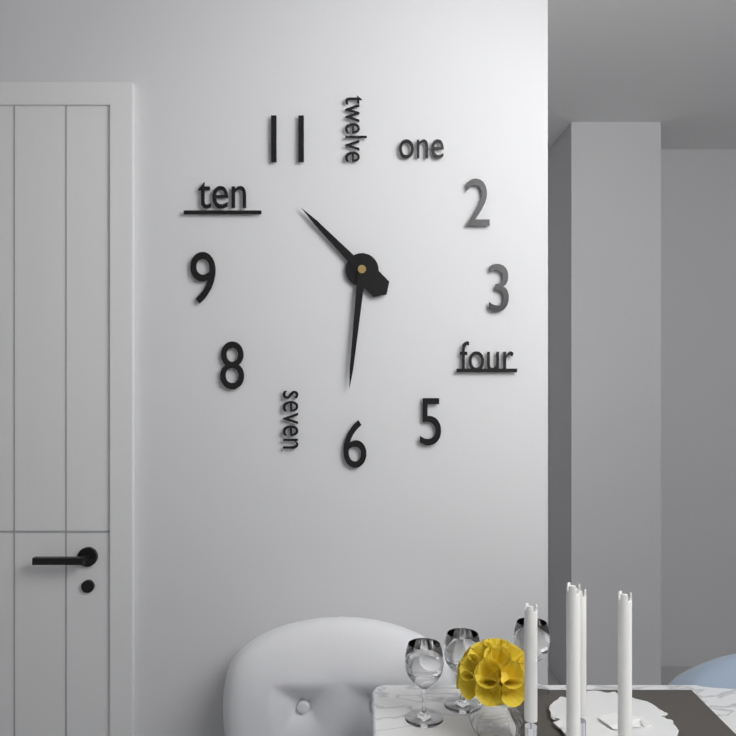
10,31
